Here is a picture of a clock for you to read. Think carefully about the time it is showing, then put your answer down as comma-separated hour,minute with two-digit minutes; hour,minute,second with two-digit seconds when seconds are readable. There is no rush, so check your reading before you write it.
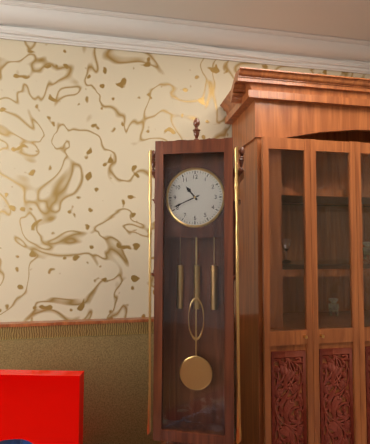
10,41
